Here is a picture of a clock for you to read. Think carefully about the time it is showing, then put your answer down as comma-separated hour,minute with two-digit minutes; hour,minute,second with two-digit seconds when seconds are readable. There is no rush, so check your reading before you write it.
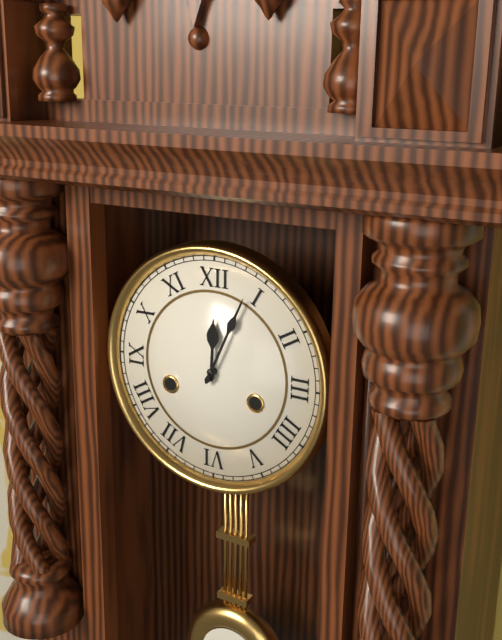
12,04
